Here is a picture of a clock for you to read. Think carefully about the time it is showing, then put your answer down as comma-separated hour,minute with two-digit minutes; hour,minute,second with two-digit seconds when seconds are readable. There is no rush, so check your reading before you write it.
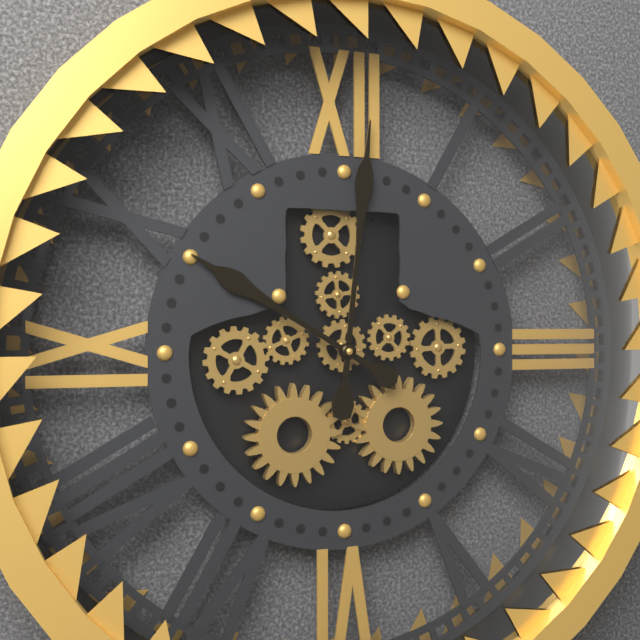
10,01
